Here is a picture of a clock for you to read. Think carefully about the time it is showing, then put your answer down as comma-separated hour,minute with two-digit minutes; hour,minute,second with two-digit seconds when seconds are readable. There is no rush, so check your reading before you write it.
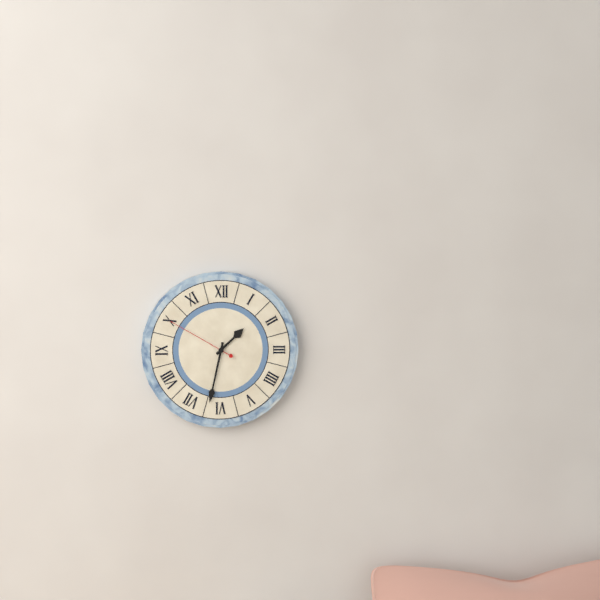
1,32,50
